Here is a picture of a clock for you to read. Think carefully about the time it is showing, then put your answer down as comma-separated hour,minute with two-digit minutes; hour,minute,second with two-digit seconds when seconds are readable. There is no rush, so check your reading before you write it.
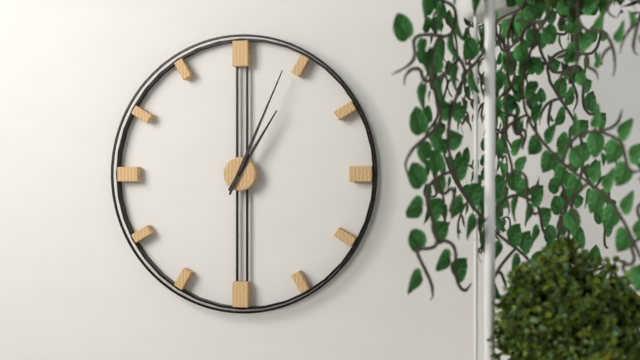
1,04
